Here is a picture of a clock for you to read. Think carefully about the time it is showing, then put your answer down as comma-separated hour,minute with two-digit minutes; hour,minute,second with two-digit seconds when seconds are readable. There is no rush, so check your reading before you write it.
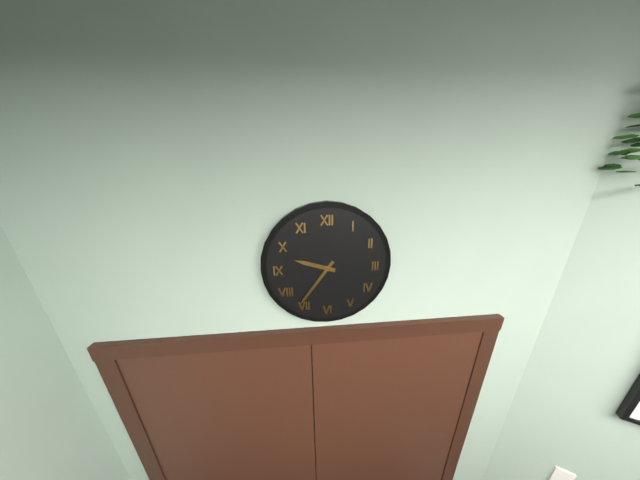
9,36
